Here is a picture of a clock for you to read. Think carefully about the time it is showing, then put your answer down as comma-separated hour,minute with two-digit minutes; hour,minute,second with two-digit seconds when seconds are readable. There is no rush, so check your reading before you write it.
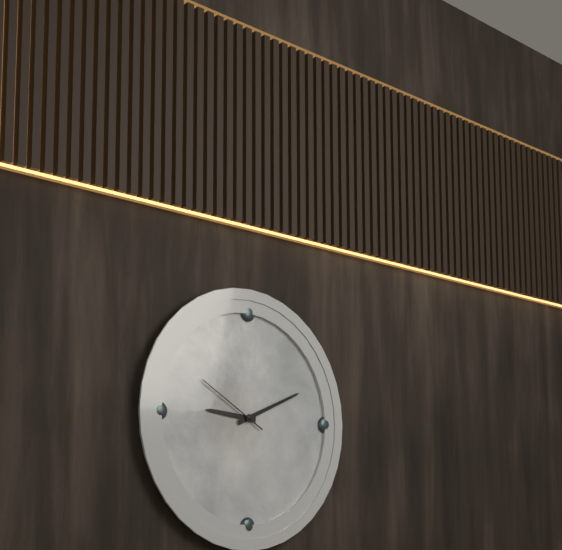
9,11,50
